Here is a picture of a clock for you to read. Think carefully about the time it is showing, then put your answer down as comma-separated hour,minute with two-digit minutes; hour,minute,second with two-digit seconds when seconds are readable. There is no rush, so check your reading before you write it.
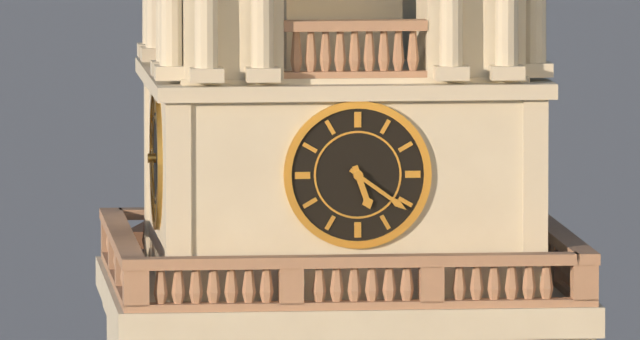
5,21
